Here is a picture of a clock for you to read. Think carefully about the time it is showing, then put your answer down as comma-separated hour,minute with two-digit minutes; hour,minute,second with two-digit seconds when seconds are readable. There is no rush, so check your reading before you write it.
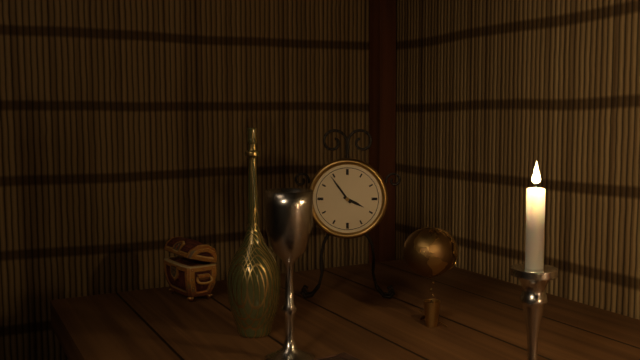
3,54
